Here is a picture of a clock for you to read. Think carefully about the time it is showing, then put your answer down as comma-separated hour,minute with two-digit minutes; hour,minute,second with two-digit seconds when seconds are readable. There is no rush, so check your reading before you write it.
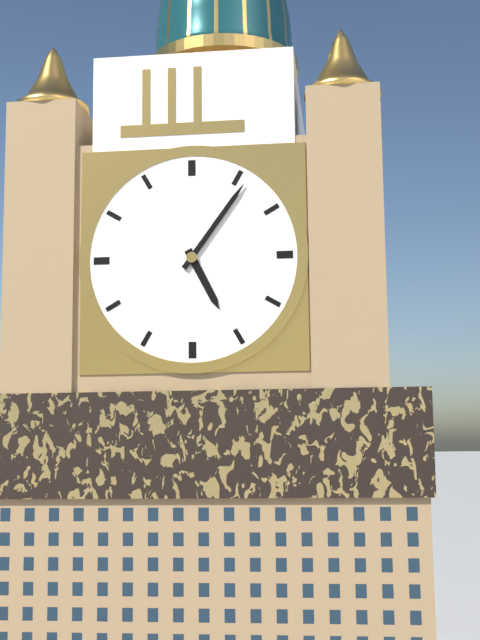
5,06
